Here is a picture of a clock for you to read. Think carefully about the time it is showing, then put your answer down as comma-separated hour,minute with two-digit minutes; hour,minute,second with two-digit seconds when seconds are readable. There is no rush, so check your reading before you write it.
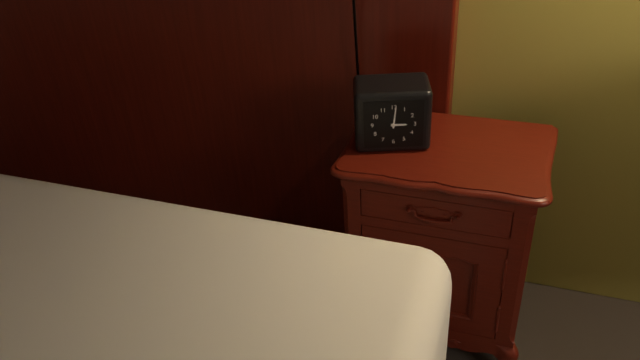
3,01
